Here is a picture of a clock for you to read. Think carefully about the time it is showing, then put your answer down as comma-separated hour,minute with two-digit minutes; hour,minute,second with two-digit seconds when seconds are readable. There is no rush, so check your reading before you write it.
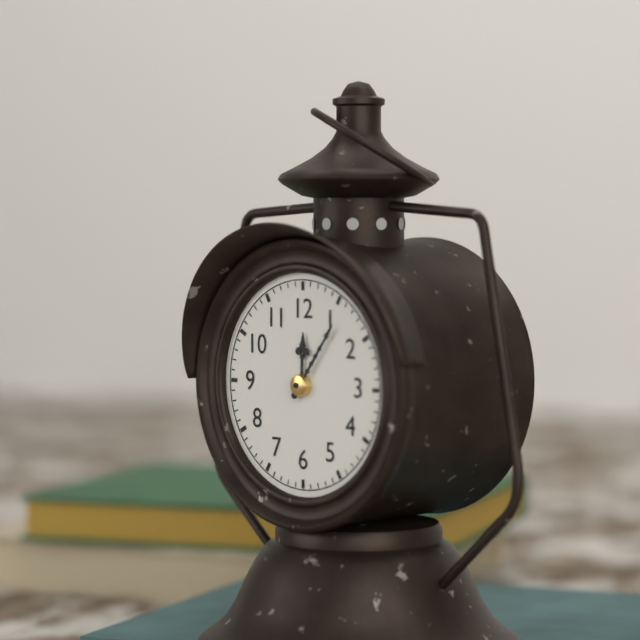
12,06
